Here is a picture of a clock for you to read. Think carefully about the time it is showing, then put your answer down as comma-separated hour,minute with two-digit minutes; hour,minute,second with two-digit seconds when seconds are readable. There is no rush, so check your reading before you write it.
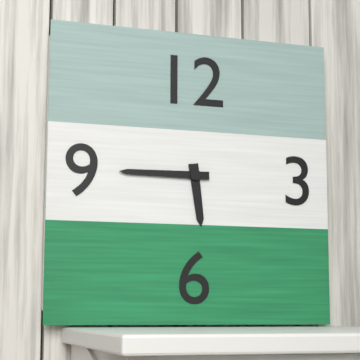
5,45
